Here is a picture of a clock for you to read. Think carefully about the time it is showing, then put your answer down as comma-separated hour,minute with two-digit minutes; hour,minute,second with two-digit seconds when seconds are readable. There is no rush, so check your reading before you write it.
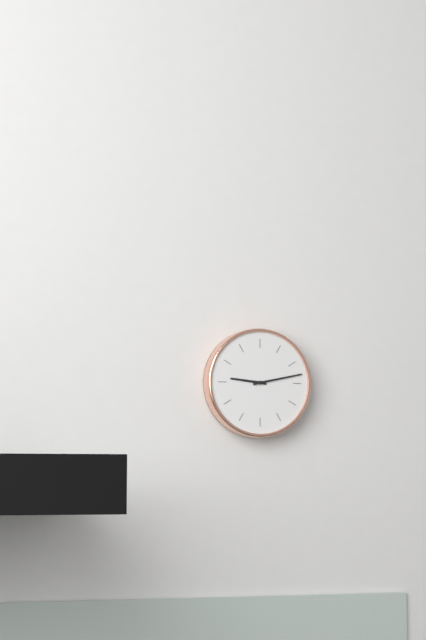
9,13
